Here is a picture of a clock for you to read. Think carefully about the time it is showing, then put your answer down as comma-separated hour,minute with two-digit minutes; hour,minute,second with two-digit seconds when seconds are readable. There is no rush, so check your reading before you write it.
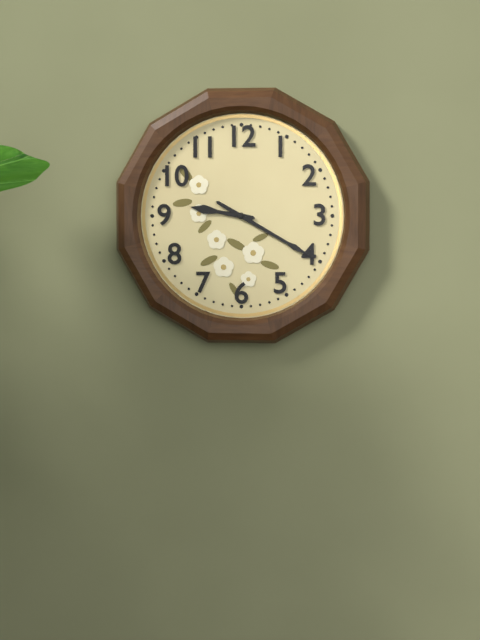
9,20
